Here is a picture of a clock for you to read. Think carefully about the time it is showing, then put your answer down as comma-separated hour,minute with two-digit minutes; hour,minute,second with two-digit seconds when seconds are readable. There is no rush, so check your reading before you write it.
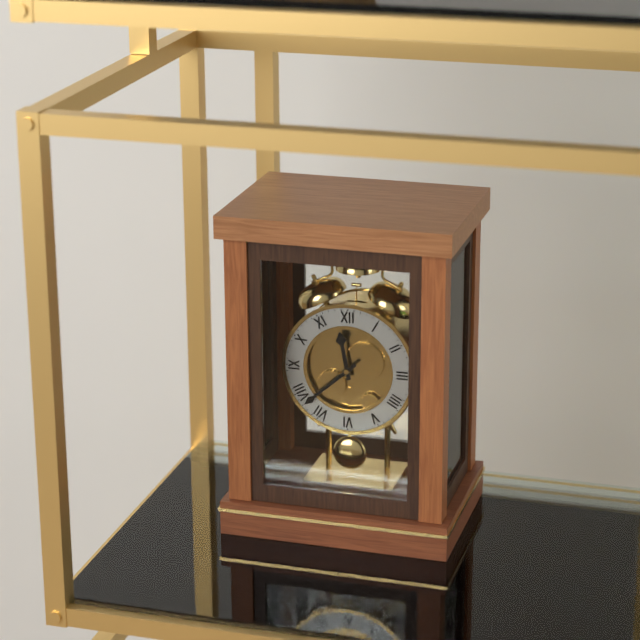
11,38
